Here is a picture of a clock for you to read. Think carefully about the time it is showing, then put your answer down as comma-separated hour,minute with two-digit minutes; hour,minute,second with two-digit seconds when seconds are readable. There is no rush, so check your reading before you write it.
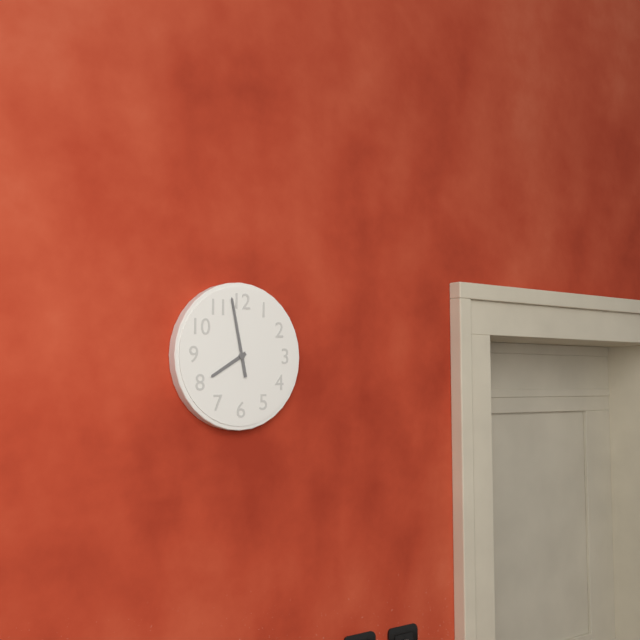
7,58
